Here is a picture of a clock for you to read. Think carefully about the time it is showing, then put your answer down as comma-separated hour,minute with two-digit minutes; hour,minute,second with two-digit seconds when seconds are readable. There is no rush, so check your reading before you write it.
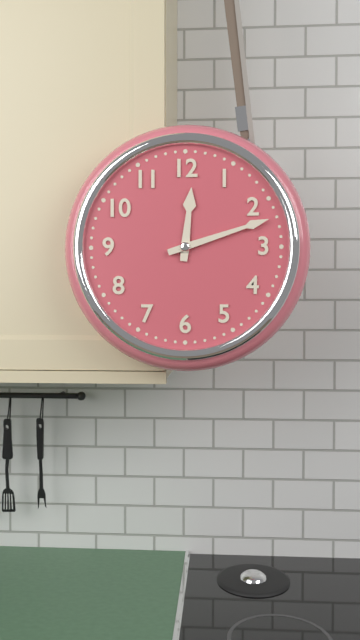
12,12
